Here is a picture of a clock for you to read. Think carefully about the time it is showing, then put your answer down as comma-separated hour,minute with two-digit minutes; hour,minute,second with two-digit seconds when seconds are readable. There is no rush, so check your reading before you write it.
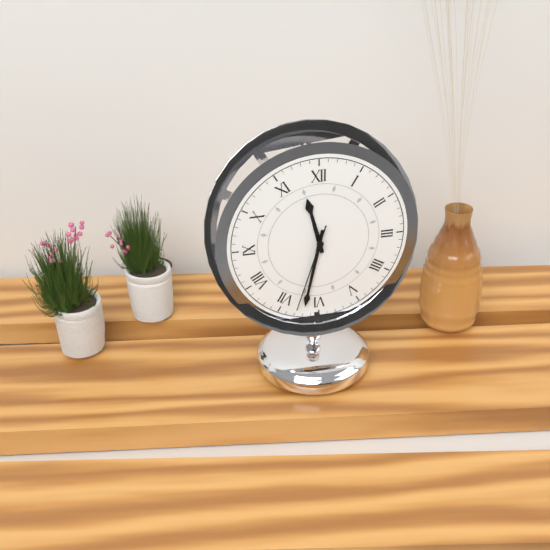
11,32,33
